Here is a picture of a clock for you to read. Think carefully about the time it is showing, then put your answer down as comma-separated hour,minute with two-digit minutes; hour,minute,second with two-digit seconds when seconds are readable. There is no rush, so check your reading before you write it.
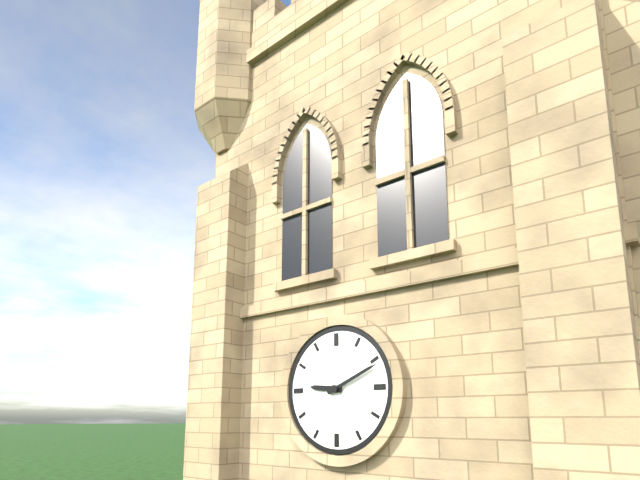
9,11
